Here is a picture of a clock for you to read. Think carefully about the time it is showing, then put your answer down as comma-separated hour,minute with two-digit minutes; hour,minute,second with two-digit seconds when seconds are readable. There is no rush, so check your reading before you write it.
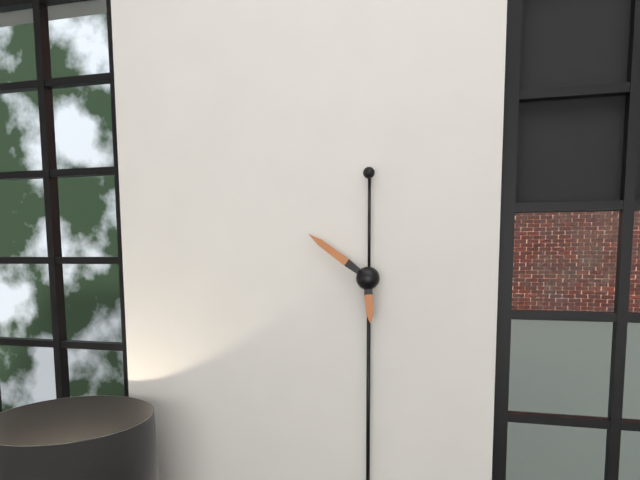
5,51
